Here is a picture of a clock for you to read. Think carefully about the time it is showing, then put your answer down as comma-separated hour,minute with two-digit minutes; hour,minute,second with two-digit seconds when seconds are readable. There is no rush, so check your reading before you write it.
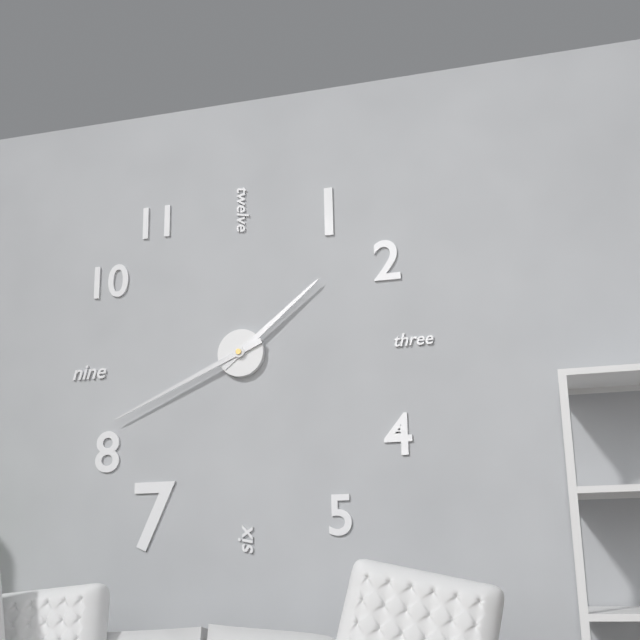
1,41
